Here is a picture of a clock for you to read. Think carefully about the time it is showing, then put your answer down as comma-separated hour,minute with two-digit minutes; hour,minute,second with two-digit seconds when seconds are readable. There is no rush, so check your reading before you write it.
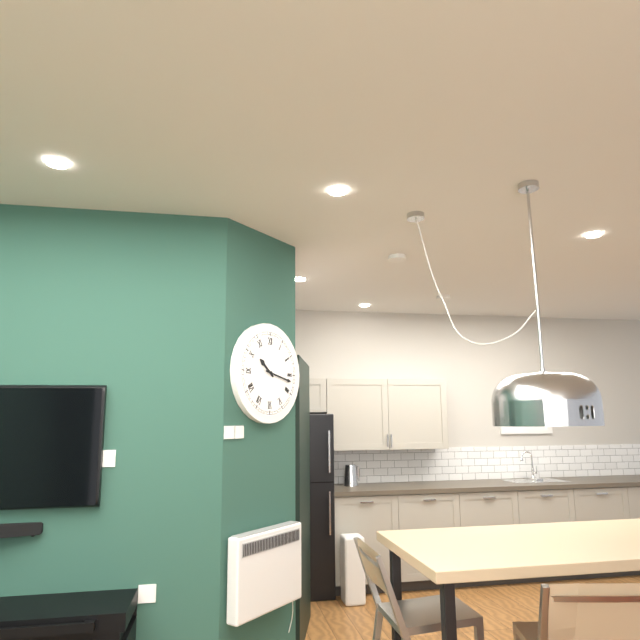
10,17
